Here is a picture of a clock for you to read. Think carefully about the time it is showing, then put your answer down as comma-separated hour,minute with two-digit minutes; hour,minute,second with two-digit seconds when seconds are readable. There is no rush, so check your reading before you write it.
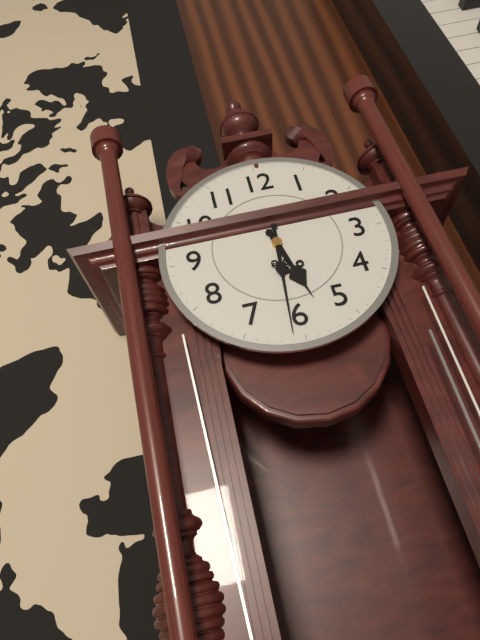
5,31
